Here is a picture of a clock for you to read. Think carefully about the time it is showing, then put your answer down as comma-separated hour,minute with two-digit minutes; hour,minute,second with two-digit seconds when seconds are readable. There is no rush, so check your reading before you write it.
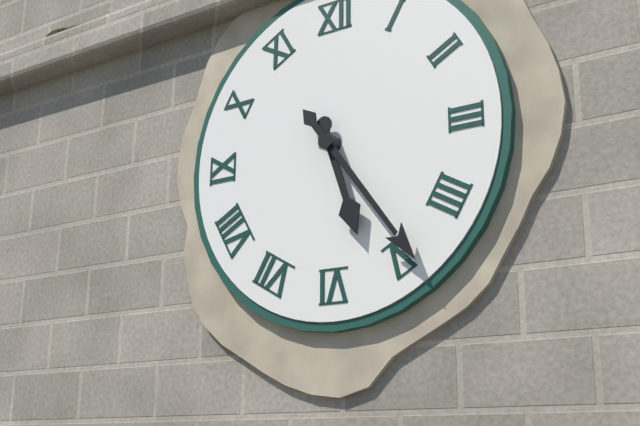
5,24
